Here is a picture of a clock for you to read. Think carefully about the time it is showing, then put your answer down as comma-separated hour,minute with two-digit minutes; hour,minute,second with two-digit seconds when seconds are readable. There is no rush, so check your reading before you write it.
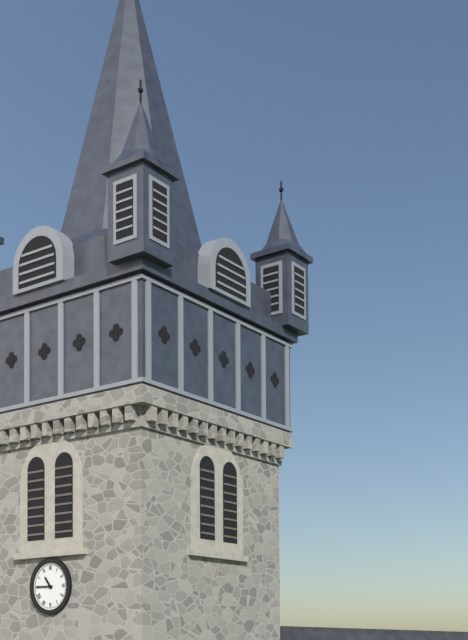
10,45
